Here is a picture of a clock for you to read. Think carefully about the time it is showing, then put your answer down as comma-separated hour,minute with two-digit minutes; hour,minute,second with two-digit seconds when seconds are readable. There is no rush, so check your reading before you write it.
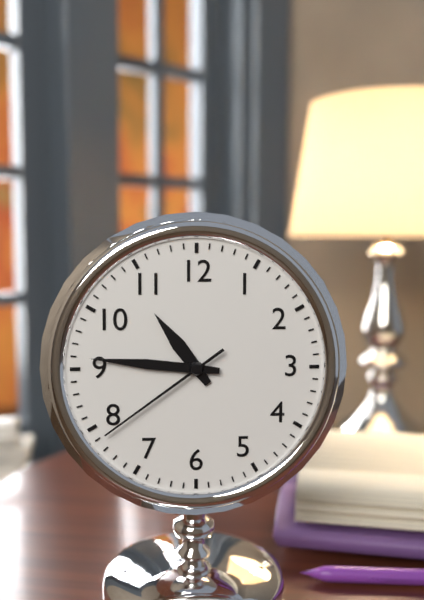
10,46,39
